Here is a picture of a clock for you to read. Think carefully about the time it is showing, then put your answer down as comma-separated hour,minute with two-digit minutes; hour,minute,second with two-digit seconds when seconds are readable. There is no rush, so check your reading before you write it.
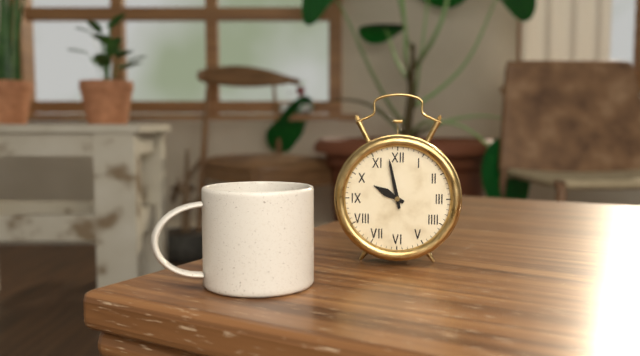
9,58
